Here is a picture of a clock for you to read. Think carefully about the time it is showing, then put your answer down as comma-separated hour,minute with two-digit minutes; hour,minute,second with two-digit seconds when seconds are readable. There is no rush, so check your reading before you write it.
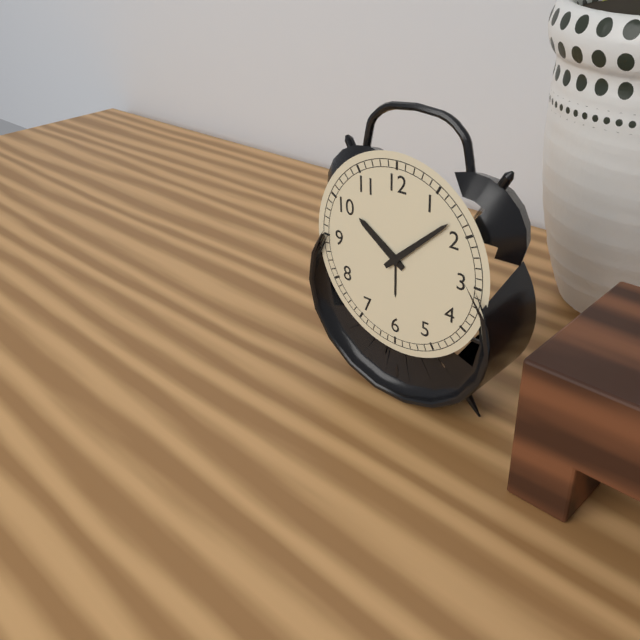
10,08
